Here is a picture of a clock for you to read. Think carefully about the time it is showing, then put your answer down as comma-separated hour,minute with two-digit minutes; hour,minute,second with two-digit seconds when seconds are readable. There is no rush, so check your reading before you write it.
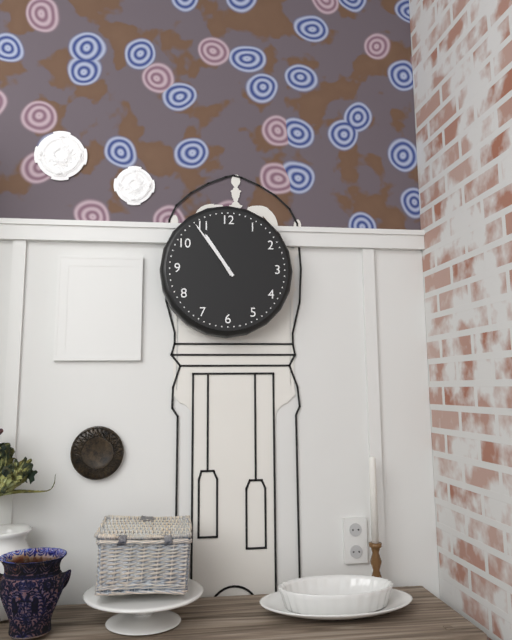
10,54
